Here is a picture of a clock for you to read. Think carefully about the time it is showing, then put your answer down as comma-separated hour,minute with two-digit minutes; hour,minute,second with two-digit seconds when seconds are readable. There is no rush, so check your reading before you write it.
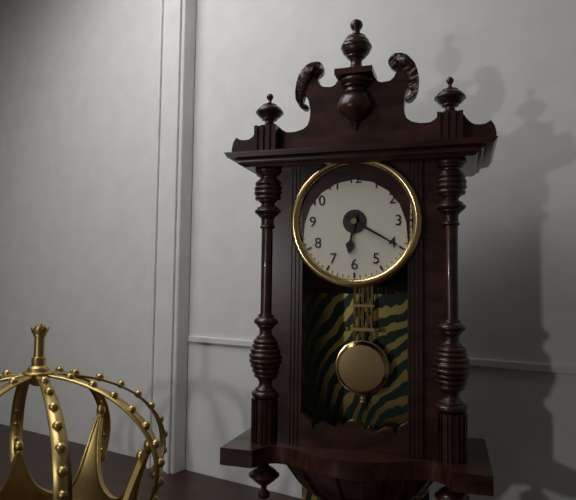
6,20
